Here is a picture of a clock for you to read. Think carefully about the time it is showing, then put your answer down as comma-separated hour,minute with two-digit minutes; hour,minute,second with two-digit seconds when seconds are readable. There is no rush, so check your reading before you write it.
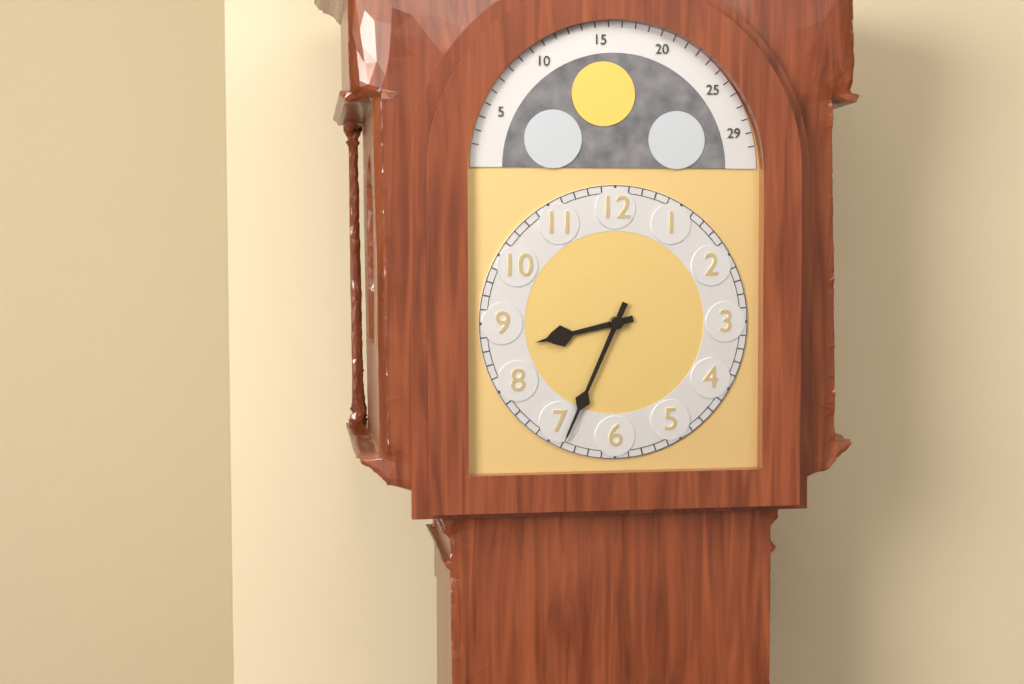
8,34
